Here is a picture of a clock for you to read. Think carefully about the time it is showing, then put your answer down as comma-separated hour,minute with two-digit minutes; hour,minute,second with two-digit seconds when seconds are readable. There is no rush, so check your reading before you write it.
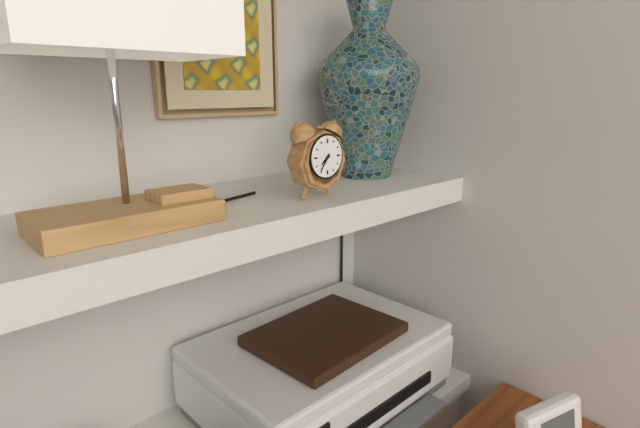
7,36
